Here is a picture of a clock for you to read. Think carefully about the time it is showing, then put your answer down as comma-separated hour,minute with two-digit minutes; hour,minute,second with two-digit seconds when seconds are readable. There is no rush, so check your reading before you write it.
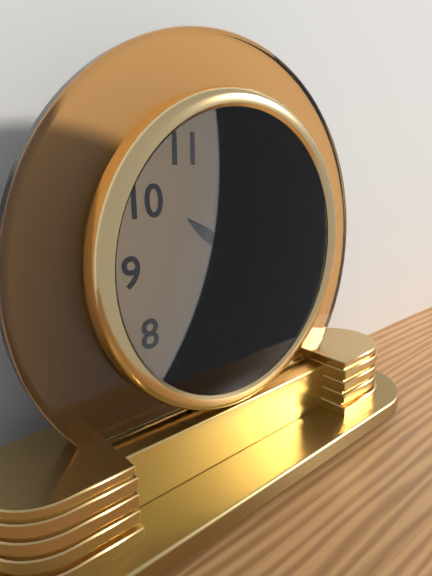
10,14
